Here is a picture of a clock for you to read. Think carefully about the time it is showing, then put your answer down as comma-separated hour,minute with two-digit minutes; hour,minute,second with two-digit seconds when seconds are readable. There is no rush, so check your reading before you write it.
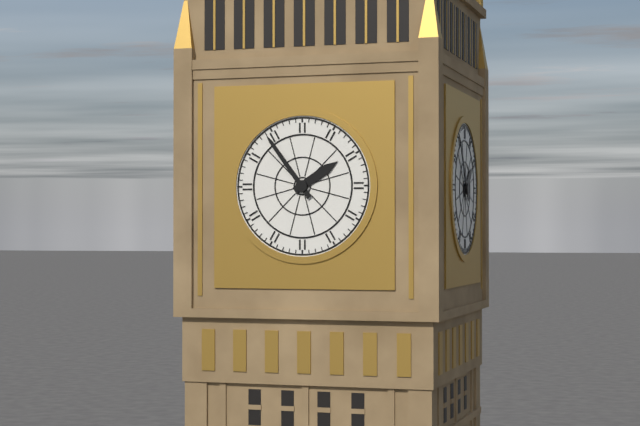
1,54
